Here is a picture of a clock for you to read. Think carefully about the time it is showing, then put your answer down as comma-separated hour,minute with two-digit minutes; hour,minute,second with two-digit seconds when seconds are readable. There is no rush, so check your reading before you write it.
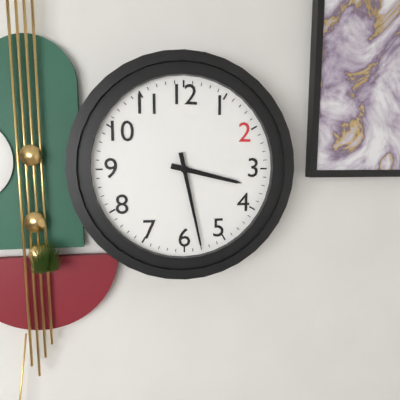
3,28
